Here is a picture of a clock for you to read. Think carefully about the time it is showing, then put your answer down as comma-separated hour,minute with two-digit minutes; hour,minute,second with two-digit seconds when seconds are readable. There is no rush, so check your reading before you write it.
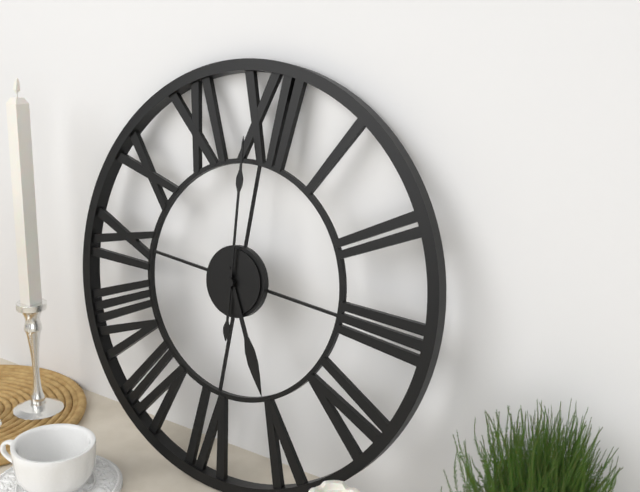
4,59
